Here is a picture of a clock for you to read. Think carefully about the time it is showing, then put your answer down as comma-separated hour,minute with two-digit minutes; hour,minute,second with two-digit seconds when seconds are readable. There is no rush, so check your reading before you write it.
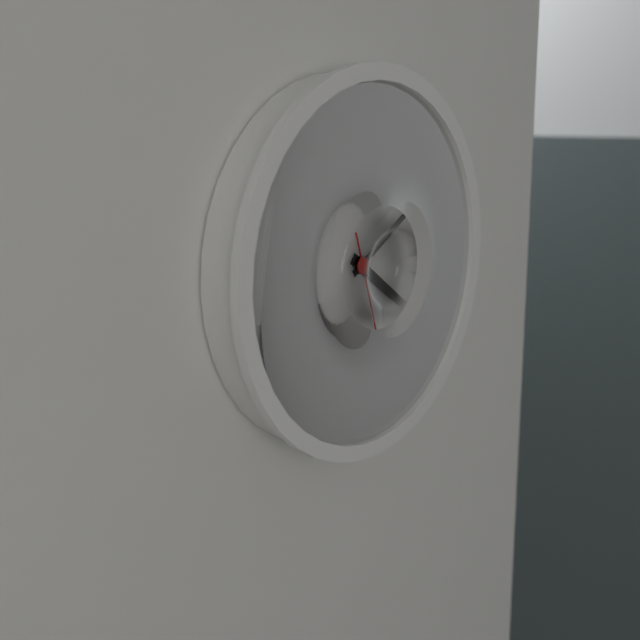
4,10,27
